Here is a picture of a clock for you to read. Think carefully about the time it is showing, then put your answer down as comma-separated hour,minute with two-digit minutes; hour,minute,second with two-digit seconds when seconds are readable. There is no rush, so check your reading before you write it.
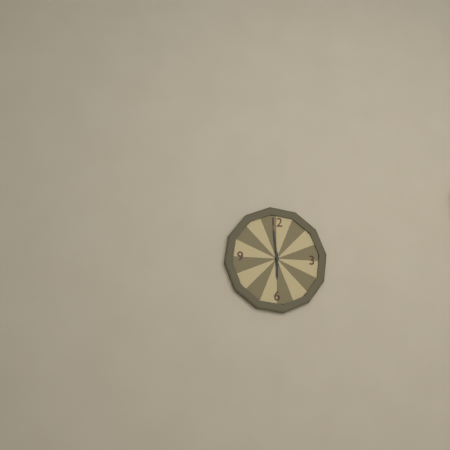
5,59
